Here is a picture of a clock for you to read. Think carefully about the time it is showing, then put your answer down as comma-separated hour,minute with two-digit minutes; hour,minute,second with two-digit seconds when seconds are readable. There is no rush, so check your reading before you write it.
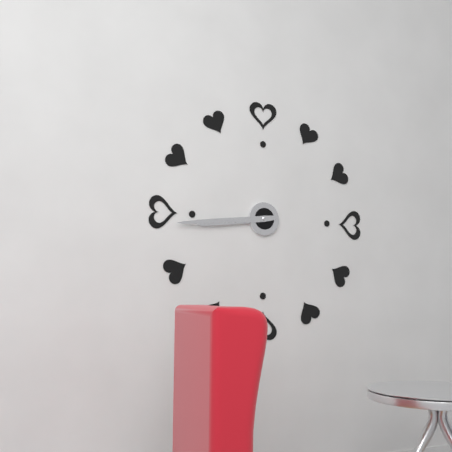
8,44
